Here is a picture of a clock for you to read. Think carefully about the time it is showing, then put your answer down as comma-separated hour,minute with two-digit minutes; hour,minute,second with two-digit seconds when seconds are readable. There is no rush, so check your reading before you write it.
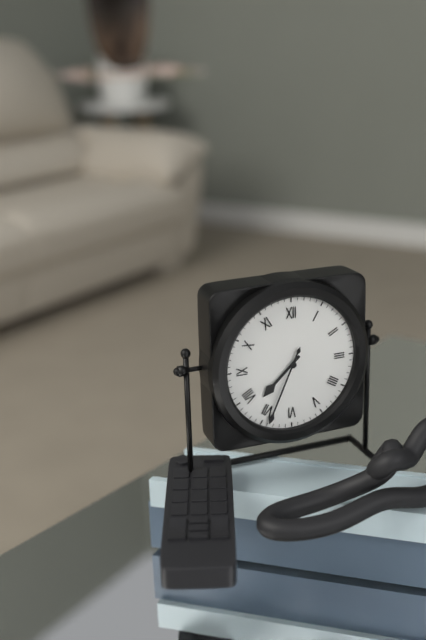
7,34
